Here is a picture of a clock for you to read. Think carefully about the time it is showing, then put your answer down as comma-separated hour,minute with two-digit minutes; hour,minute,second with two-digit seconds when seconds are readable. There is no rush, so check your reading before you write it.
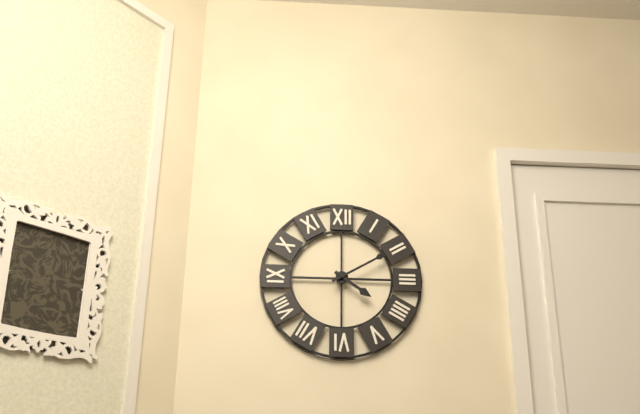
4,10
